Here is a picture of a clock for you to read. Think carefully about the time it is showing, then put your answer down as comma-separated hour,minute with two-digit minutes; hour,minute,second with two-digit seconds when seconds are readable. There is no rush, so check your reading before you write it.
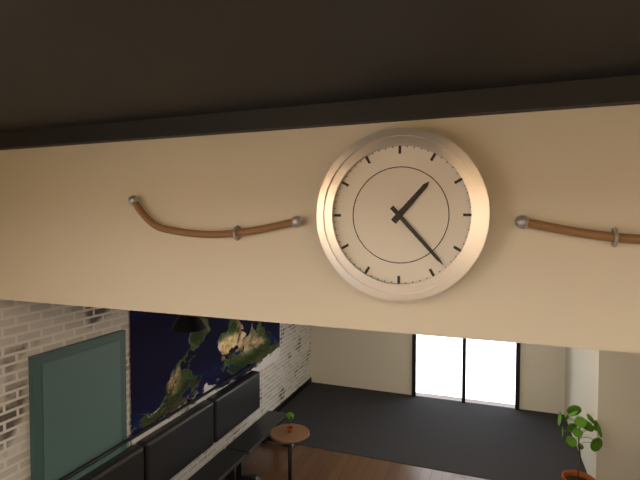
1,23
